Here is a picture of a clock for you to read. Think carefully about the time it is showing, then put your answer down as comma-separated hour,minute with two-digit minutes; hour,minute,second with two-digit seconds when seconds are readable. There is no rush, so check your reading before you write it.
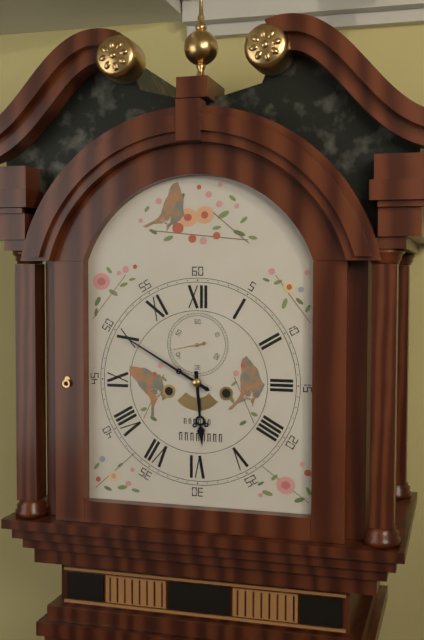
5,50
